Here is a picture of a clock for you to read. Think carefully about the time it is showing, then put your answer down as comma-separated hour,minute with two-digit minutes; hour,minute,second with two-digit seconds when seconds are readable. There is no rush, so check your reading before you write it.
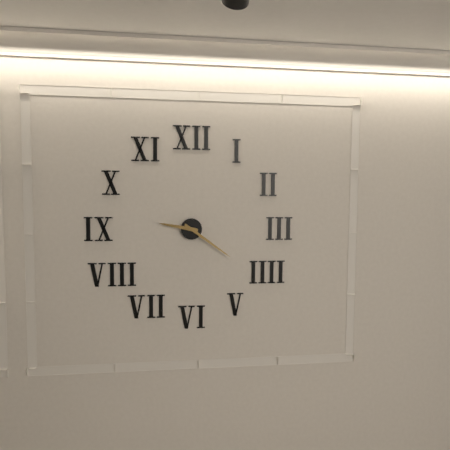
9,21
